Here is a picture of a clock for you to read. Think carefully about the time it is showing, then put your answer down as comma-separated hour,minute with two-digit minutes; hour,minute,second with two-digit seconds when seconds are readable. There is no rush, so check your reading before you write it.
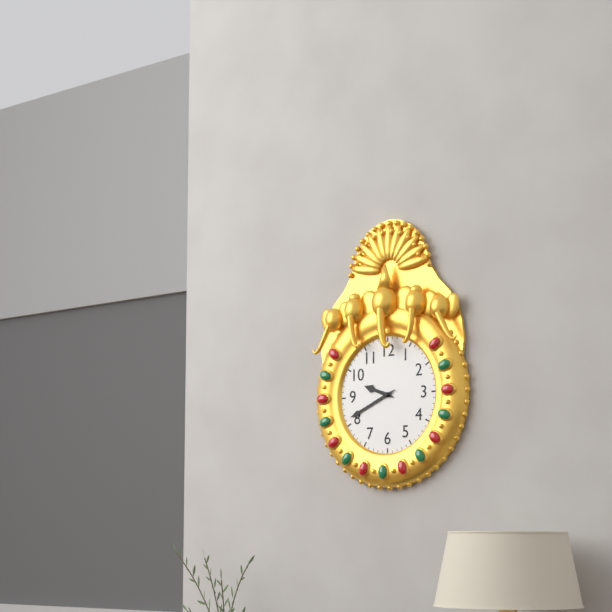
9,41
